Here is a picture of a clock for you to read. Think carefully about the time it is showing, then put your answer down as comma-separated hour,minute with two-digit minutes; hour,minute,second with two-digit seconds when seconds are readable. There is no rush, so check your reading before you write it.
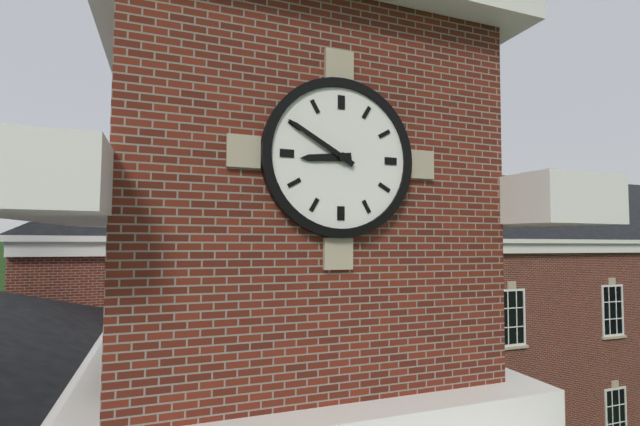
8,50
